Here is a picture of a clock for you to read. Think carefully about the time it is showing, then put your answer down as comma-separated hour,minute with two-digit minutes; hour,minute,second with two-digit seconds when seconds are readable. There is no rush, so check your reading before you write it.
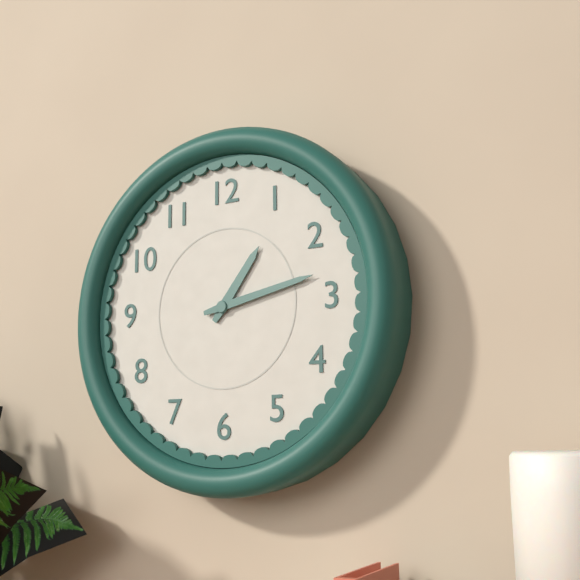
1,13
